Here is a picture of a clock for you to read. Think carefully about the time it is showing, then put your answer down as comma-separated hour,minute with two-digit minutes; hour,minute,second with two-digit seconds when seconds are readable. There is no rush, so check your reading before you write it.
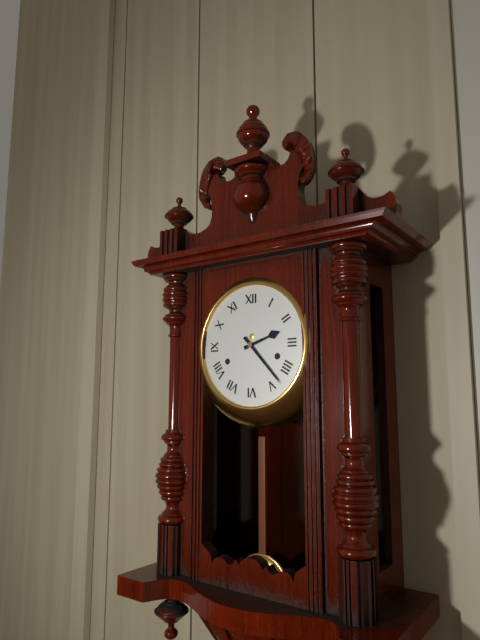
2,23
